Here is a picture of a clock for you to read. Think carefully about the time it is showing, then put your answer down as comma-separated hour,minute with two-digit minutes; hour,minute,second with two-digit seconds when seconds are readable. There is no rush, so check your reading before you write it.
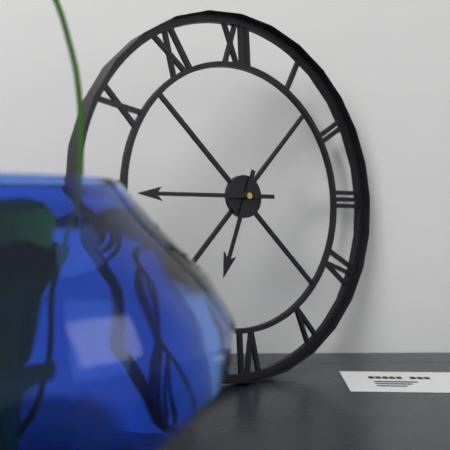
6,45
